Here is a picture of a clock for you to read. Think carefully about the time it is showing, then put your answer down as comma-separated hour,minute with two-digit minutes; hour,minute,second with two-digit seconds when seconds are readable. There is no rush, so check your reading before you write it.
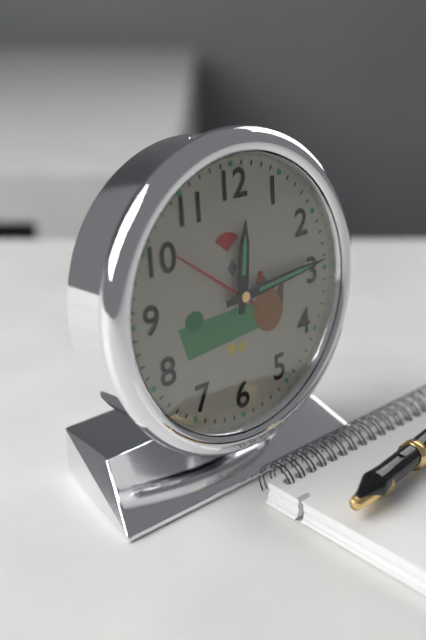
12,14
